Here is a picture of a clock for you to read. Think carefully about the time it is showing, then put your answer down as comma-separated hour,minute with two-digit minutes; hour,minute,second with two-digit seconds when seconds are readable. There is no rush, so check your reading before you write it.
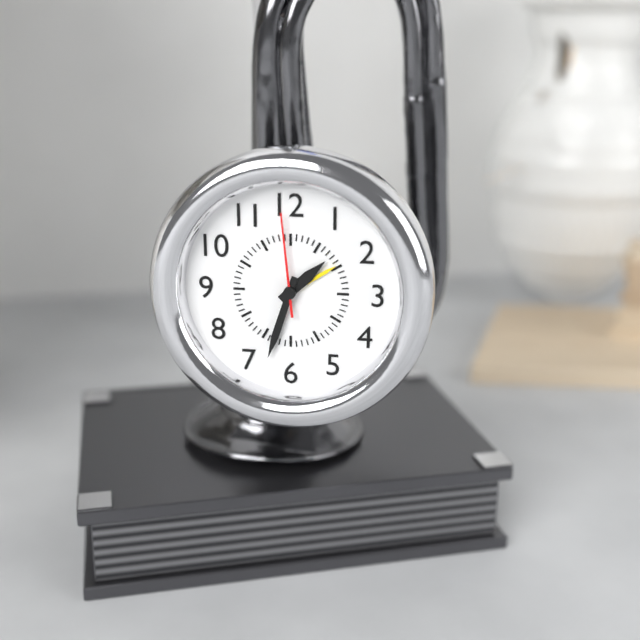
1,33,59
